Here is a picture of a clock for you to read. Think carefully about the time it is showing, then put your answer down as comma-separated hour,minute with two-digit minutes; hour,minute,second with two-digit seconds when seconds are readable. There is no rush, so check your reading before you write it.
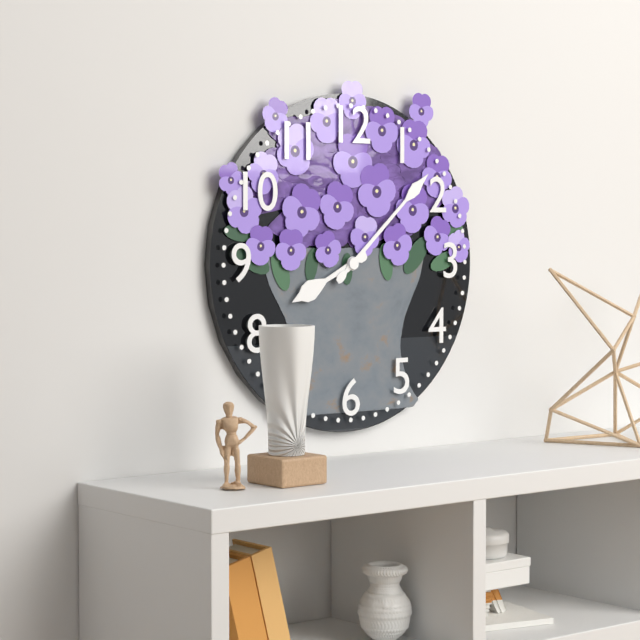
8,08
